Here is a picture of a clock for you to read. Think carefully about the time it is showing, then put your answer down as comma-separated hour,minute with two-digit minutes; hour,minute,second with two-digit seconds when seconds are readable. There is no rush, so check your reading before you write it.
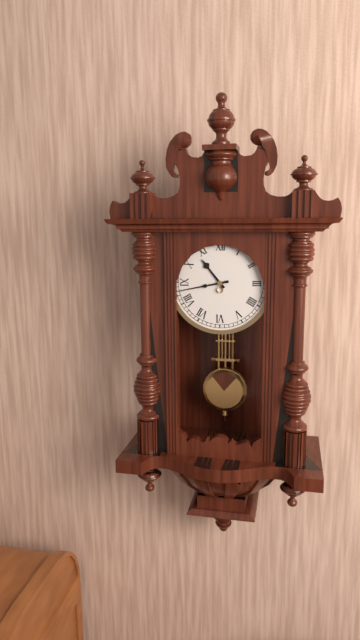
10,43
